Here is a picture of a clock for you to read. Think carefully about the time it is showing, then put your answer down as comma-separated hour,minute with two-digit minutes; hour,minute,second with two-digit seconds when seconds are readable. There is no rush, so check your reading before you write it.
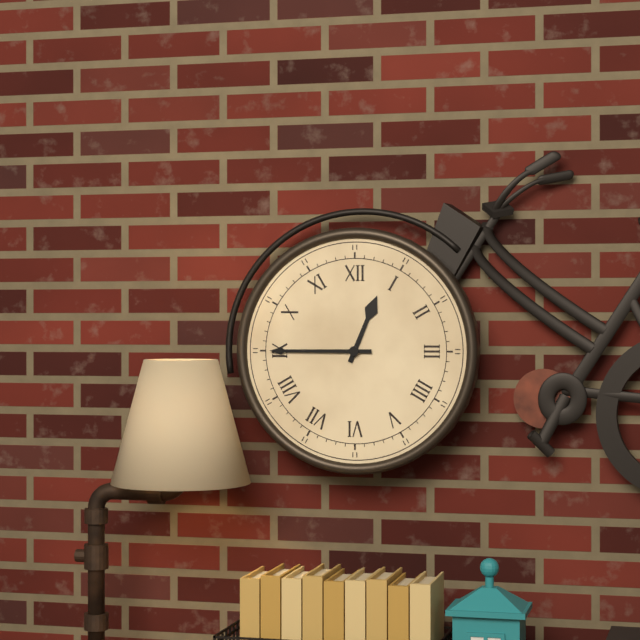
12,45
